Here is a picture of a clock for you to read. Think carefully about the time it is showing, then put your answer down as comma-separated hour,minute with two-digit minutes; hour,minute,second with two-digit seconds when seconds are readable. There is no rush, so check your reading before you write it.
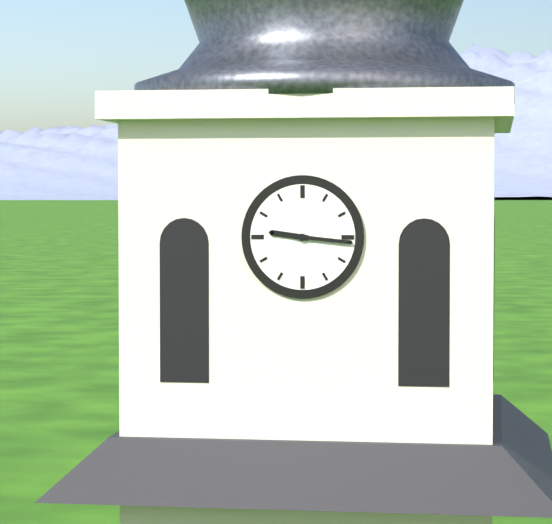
9,16
